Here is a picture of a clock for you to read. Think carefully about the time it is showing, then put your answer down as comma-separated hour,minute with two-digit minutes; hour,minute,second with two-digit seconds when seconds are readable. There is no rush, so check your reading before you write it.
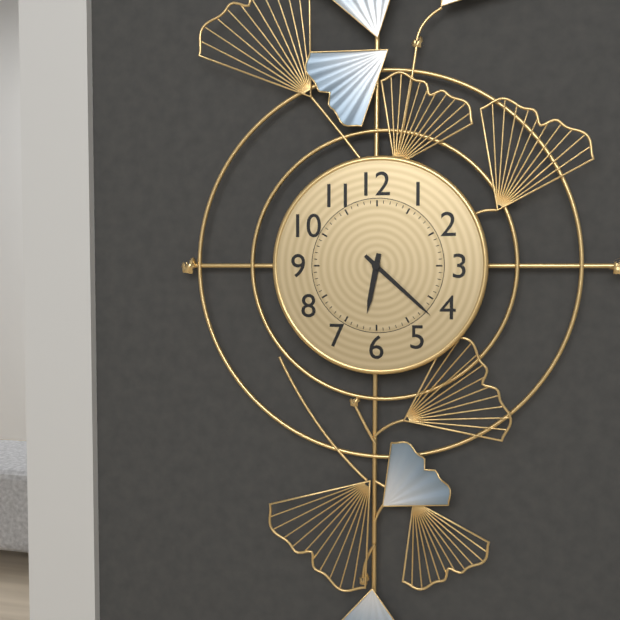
6,22
